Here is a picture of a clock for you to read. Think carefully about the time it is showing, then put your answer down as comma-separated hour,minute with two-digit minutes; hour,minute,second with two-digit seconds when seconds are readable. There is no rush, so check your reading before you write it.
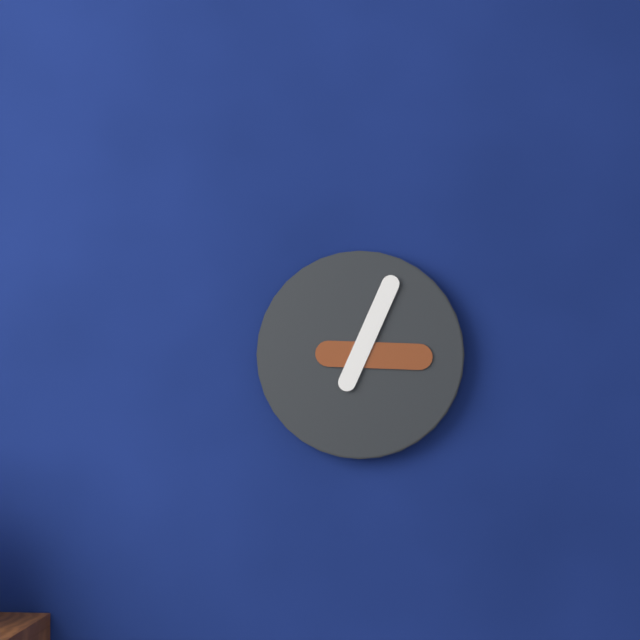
3,04
